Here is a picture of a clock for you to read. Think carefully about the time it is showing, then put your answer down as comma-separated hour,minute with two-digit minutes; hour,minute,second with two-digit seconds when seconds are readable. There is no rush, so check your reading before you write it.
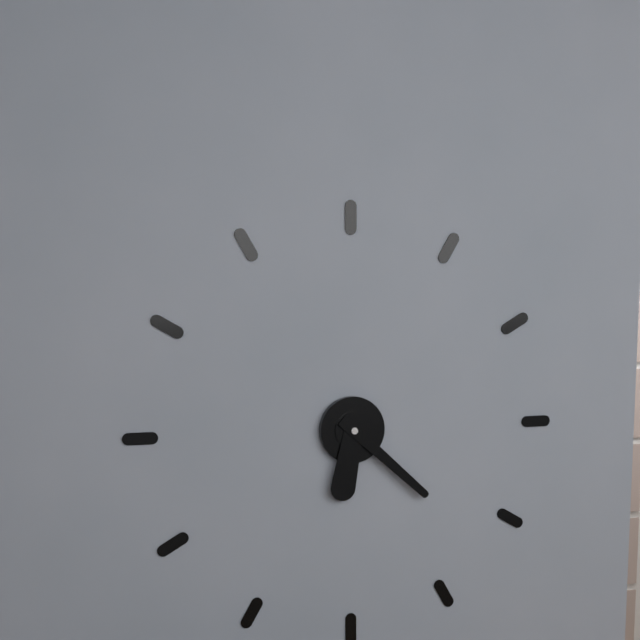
6,22
